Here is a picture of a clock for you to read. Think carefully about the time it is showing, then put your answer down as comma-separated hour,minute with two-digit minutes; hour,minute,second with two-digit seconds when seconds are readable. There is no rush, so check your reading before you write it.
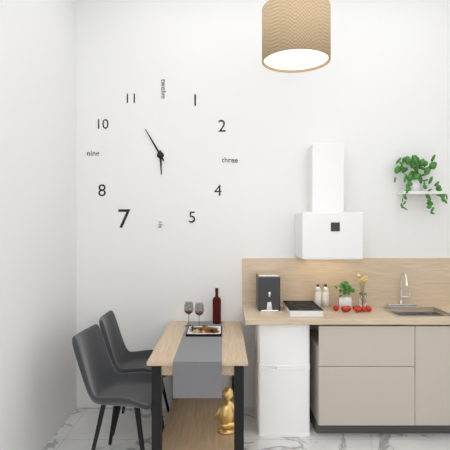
5,55
